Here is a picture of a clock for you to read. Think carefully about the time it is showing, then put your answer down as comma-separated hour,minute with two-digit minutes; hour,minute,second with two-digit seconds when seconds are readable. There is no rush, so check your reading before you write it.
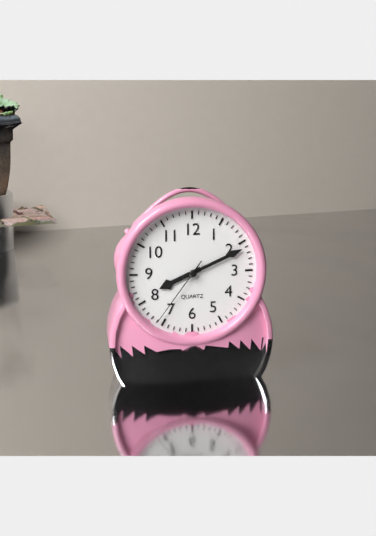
8,11,36
